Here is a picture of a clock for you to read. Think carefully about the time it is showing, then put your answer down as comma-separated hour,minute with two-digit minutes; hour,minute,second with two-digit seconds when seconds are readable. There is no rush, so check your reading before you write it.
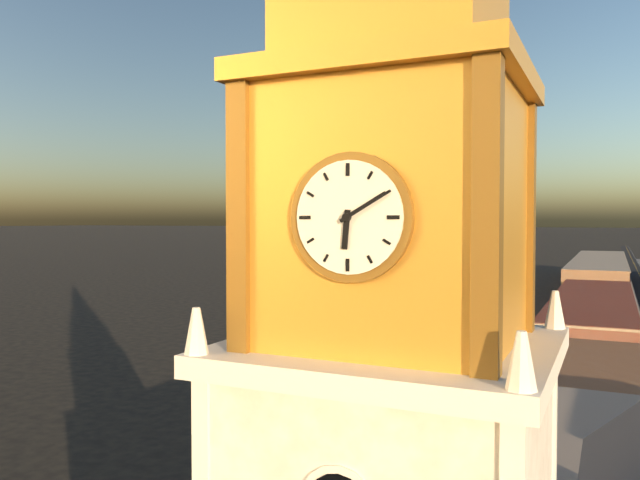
6,10
